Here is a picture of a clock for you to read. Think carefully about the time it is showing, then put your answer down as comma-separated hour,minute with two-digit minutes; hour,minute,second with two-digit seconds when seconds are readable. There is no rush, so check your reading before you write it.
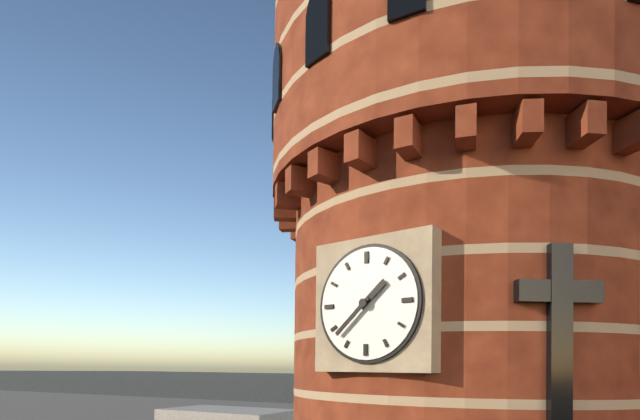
1,38
